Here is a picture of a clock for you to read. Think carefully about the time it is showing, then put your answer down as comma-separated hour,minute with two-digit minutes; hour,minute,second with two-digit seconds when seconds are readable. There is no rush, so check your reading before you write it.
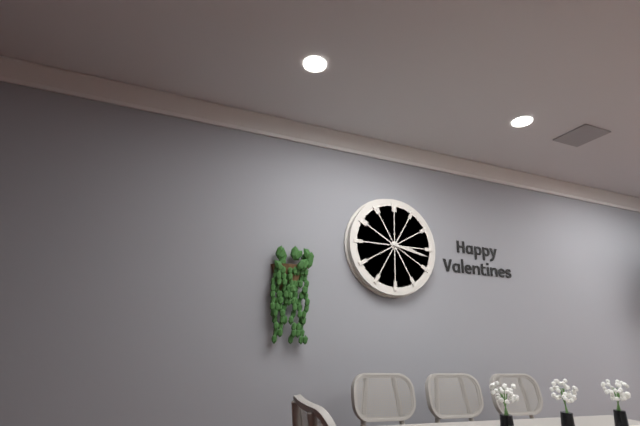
3,17
